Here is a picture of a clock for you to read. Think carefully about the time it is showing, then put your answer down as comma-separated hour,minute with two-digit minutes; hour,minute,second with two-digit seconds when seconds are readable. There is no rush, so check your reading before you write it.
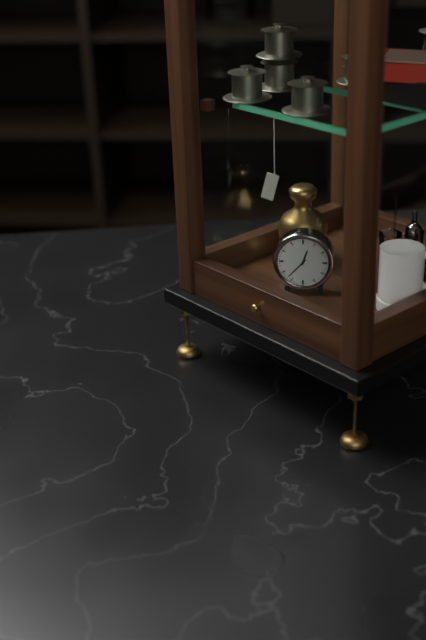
12,37
